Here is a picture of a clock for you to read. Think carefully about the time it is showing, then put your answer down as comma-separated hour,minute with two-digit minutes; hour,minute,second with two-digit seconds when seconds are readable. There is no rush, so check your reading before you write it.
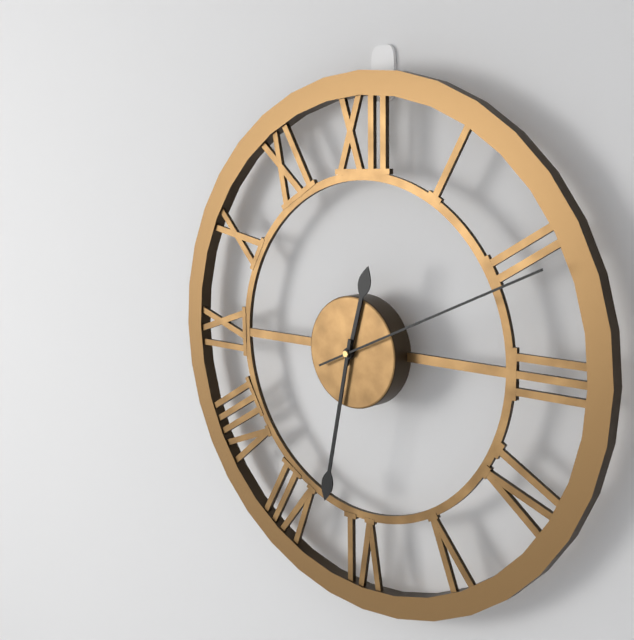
12,32,11
